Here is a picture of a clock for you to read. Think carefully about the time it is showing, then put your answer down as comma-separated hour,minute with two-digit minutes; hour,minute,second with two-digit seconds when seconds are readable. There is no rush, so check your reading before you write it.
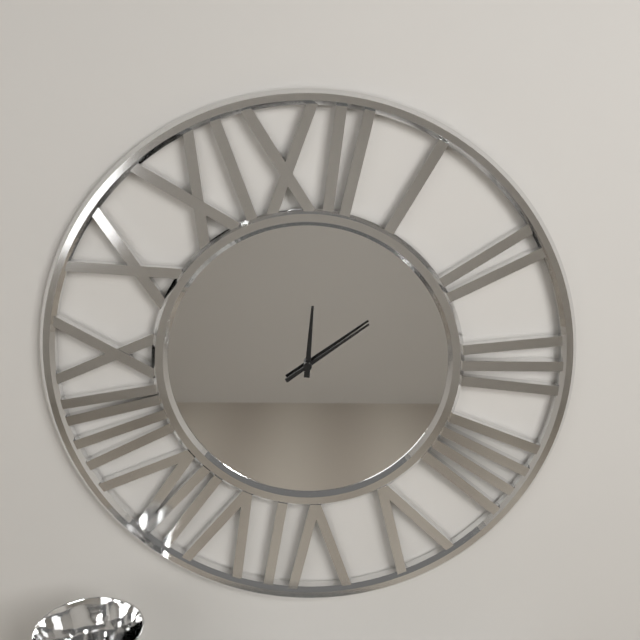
12,09
